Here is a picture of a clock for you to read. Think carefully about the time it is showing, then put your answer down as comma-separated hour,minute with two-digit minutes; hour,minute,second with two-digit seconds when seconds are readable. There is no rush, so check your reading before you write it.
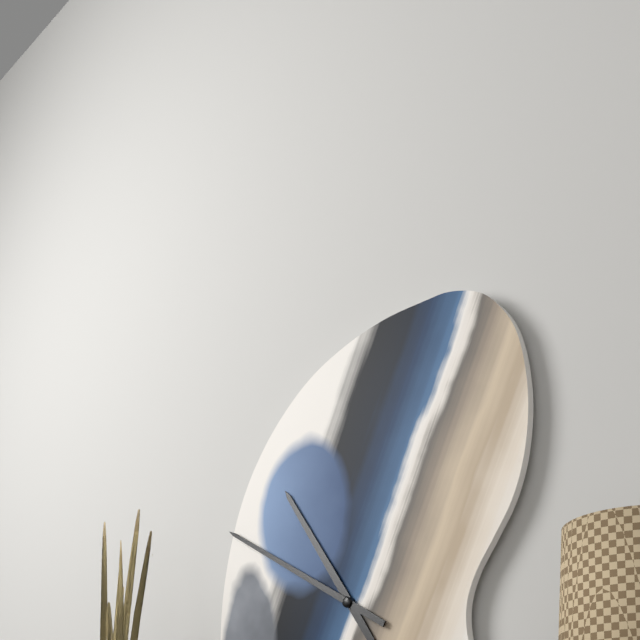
10,50
